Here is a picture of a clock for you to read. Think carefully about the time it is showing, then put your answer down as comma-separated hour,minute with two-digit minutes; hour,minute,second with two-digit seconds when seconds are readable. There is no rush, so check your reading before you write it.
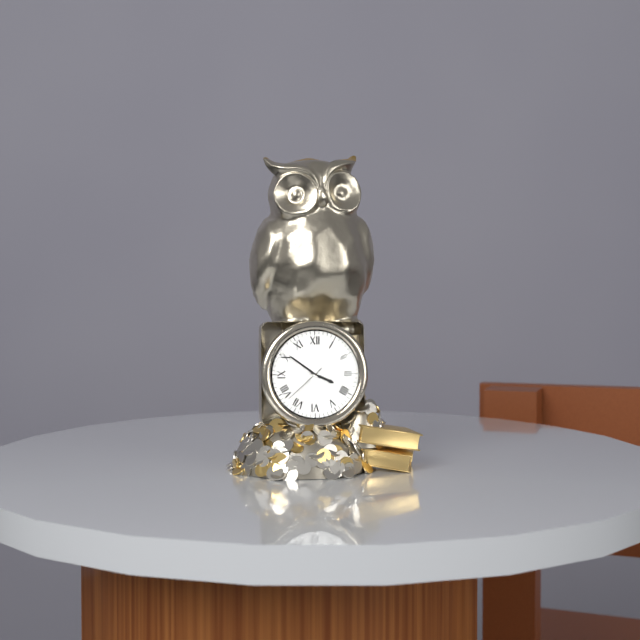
3,51
